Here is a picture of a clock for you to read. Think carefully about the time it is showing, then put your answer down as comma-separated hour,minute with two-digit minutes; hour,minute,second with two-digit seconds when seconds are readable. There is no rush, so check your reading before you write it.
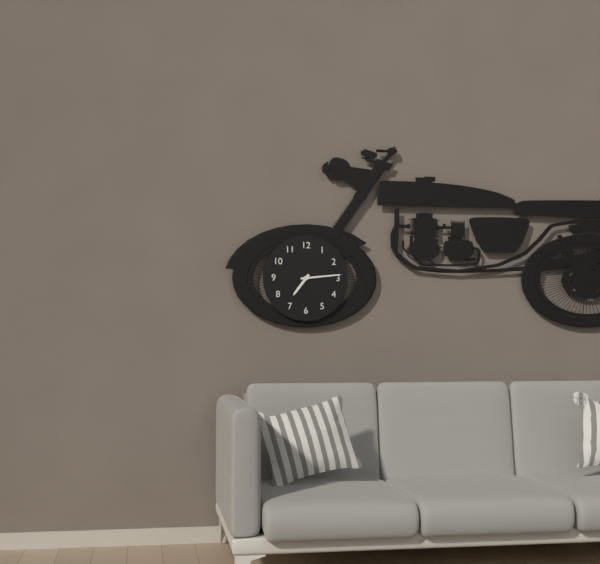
7,14
